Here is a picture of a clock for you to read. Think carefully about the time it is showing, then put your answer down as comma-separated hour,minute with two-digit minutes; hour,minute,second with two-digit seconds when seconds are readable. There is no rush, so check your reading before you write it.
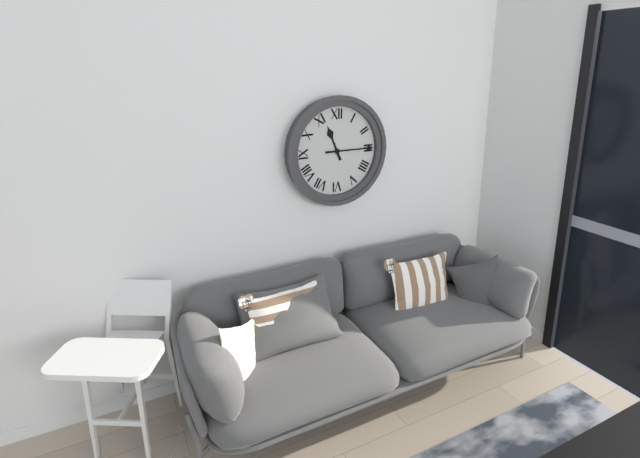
11,15
